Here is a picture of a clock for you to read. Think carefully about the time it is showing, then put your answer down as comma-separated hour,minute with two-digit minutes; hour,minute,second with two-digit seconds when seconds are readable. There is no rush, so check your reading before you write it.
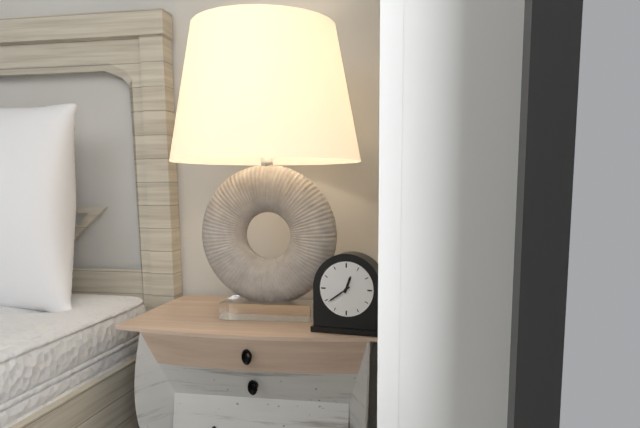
12,39
